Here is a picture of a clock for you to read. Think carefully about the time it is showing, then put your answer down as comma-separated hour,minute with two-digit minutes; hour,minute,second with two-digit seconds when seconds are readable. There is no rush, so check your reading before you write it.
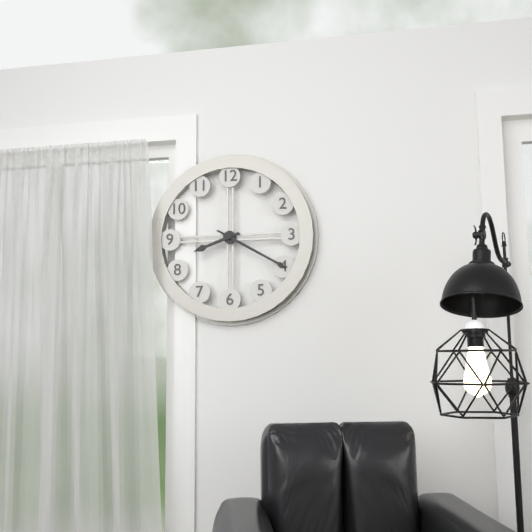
8,20
